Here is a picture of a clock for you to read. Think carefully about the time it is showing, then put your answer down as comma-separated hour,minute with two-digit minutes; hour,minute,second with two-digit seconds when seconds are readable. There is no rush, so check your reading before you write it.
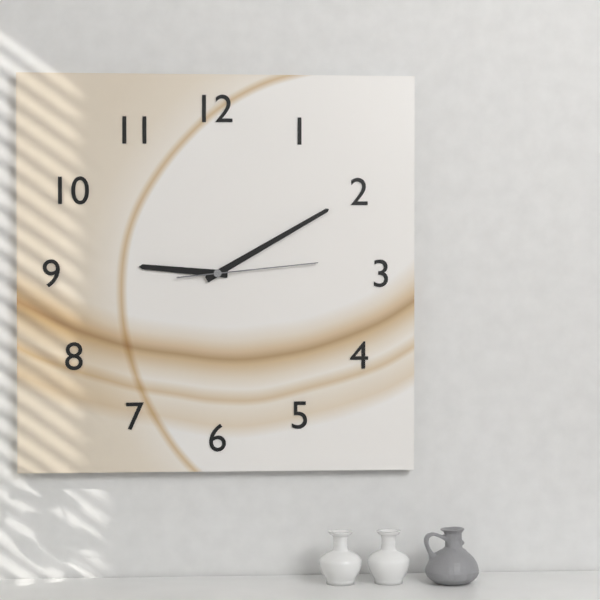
9,10,14
